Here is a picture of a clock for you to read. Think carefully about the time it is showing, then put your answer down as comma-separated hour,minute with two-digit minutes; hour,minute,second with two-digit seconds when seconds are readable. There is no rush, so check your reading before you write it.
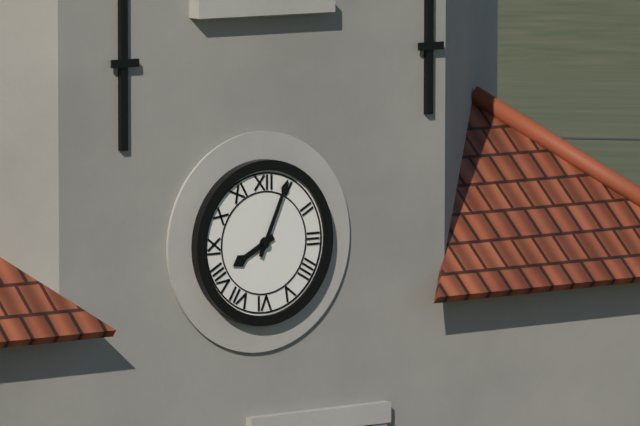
8,04
